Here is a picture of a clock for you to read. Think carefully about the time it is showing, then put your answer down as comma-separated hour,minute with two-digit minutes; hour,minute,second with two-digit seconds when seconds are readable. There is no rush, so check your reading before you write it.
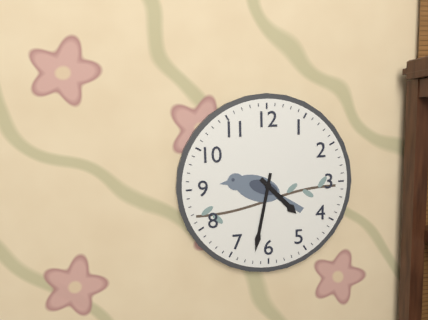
4,32
